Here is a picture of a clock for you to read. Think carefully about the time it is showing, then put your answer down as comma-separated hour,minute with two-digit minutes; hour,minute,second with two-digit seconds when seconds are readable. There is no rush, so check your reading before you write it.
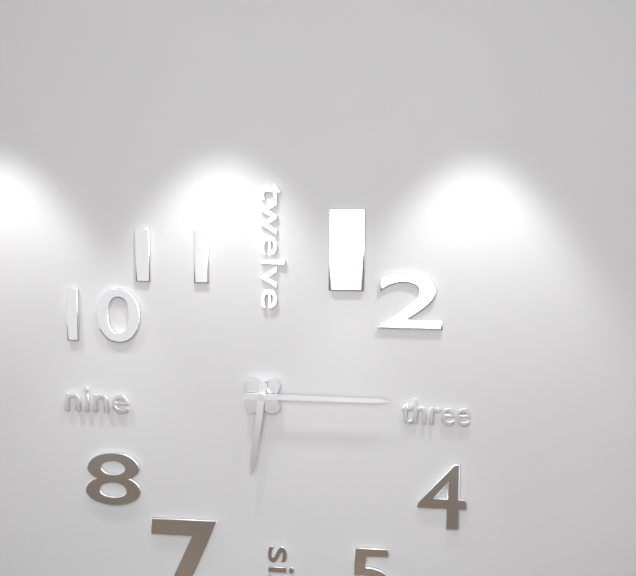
6,15
